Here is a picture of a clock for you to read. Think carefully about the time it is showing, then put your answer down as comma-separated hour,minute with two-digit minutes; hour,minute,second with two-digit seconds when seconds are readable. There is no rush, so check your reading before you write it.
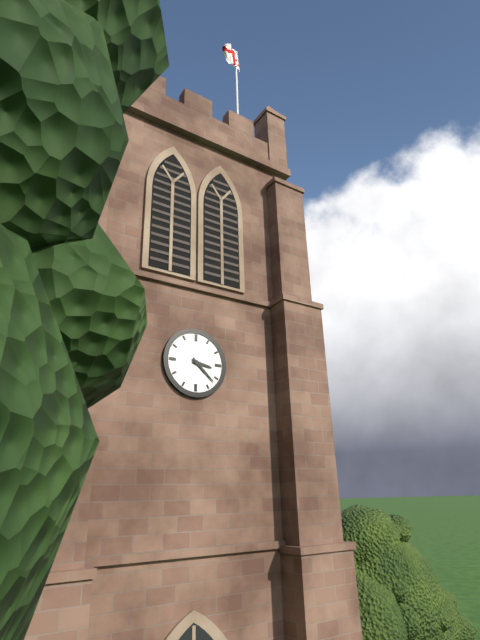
3,22
